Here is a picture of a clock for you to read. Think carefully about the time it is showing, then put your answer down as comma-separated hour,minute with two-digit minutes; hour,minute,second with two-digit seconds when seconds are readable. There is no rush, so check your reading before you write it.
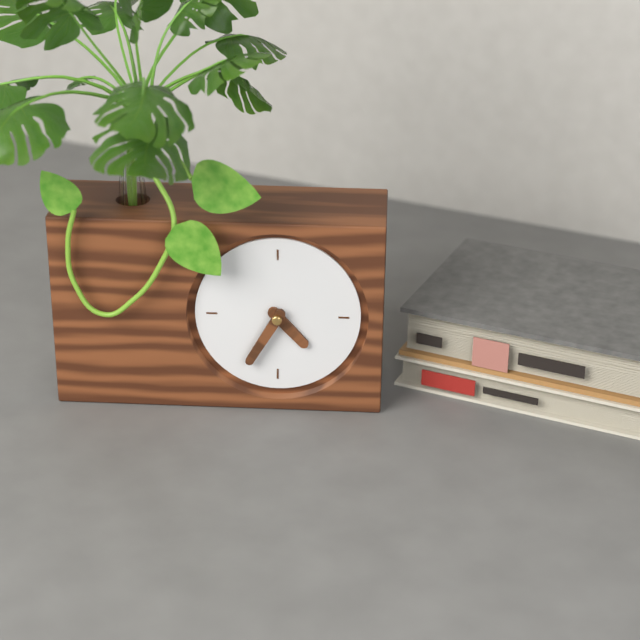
4,35
